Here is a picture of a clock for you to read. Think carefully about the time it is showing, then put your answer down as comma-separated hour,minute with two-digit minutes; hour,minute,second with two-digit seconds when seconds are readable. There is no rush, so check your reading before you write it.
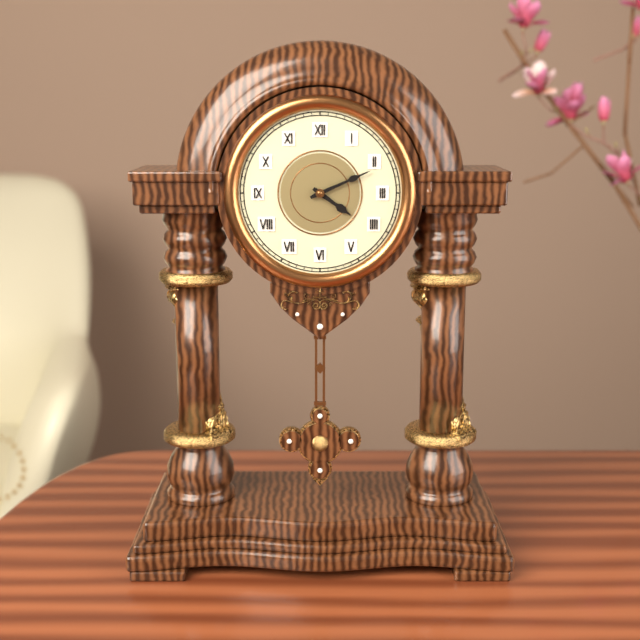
4,11
